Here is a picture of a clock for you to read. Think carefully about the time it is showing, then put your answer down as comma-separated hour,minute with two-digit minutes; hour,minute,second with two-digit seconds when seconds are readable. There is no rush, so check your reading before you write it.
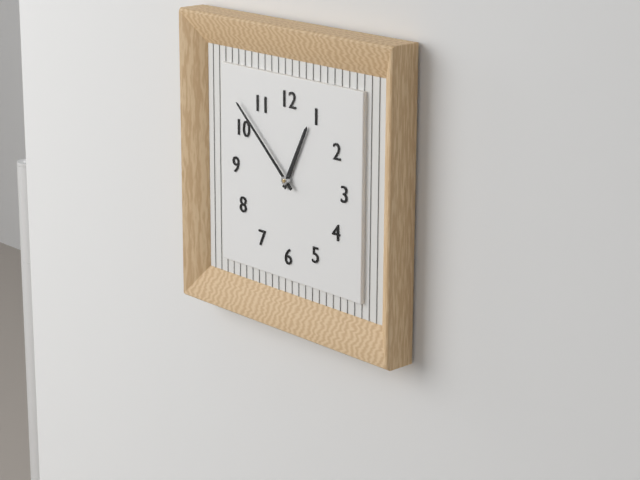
12,52
